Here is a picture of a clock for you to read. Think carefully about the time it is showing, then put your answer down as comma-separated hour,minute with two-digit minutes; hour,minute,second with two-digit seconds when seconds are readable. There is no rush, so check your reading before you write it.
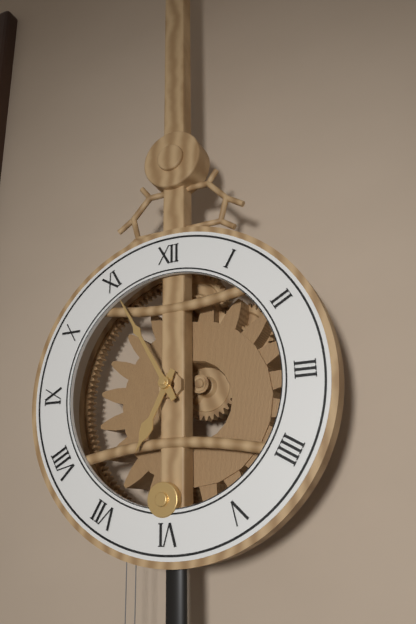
6,55
